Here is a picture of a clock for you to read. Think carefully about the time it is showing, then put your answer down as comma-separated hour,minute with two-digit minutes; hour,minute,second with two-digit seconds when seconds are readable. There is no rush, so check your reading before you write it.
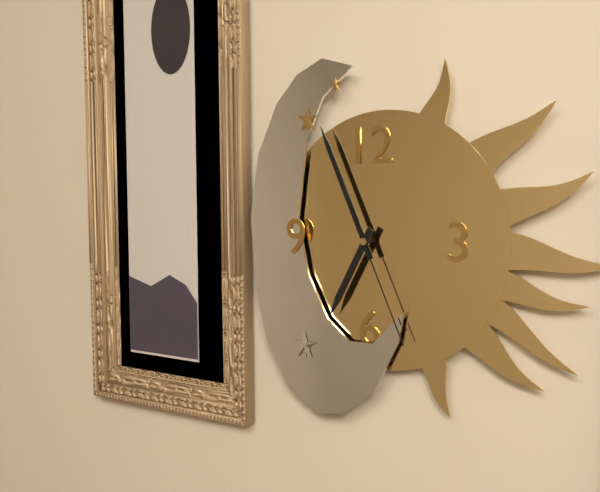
6,56,26
